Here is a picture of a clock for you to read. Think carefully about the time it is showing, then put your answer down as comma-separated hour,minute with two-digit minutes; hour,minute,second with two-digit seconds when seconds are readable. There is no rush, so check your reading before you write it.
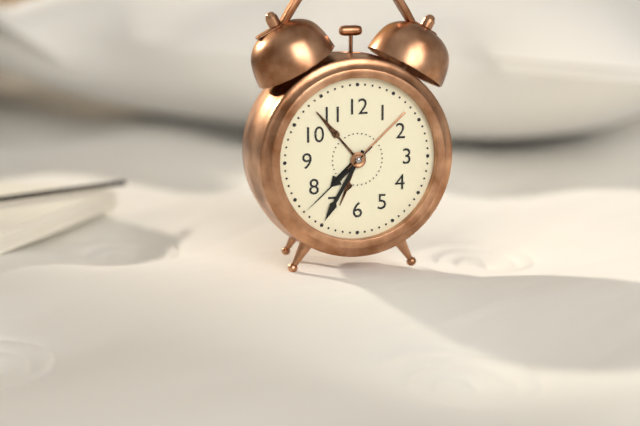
7,35,38
